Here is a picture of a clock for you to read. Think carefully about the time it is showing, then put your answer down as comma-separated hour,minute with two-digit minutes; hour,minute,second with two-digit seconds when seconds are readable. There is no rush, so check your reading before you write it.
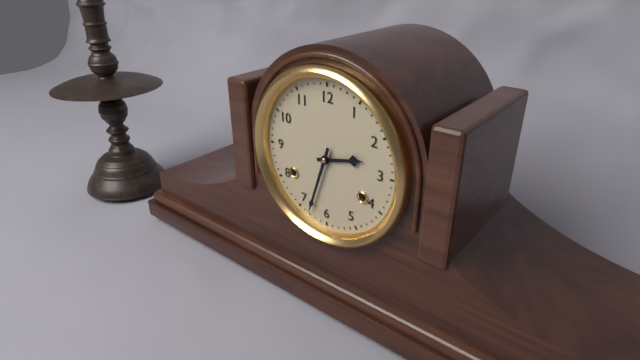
2,33
